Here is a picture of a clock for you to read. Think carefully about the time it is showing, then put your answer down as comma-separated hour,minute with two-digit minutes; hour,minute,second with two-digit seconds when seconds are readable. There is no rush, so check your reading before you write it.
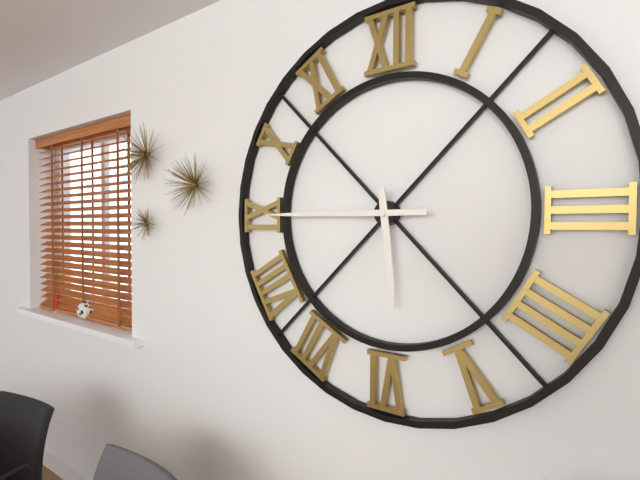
5,45
